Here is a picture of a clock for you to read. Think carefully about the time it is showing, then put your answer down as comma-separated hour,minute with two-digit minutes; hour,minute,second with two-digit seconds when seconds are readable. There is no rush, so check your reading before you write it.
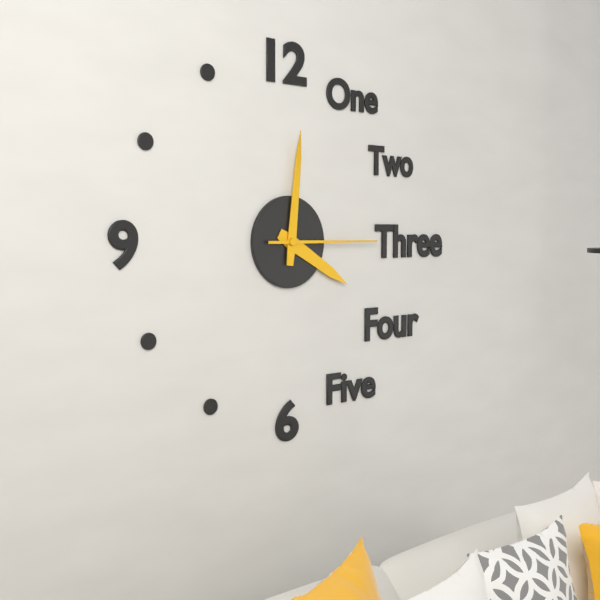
4,01,15
